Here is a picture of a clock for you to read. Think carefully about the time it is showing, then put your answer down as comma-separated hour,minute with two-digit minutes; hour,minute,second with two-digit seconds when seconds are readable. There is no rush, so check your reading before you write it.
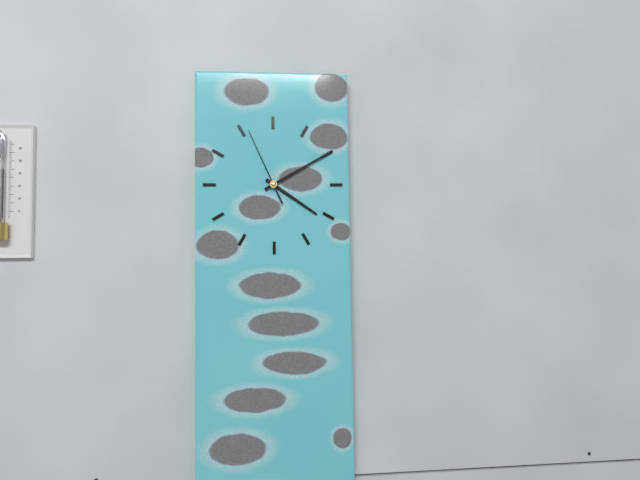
4,10,56
